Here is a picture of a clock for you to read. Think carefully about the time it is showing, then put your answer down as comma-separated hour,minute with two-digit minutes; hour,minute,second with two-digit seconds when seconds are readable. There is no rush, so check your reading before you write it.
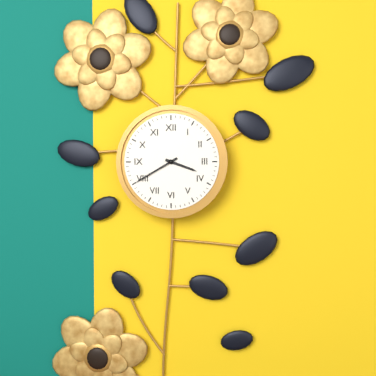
3,40
